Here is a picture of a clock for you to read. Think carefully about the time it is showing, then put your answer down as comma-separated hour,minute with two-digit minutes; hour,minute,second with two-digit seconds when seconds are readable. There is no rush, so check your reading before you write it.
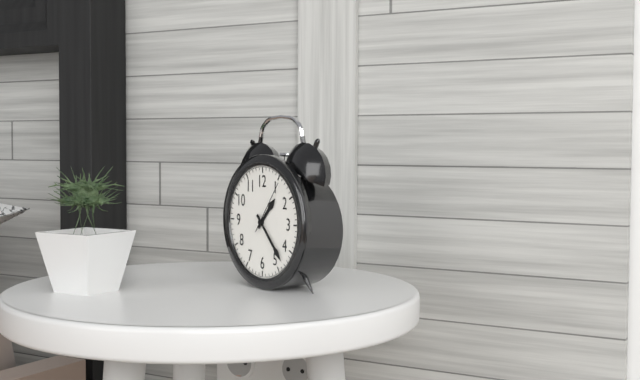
1,23,06
